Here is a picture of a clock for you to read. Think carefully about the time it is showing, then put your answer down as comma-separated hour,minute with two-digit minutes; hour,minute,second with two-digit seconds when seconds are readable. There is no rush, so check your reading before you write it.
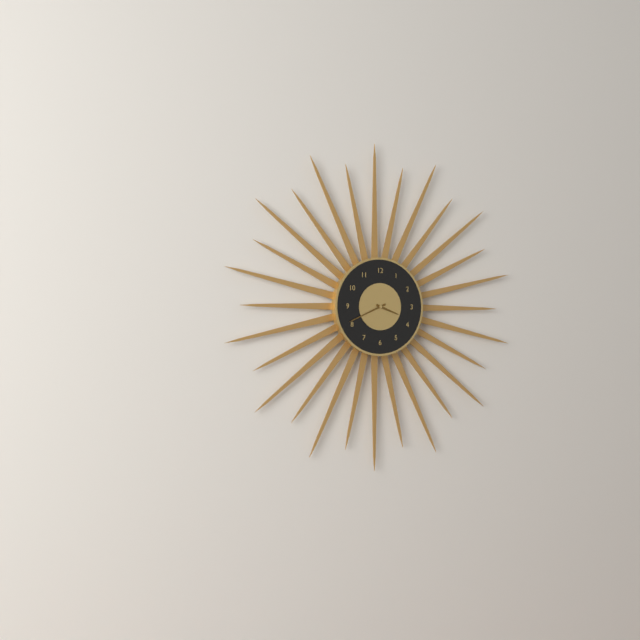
3,41
